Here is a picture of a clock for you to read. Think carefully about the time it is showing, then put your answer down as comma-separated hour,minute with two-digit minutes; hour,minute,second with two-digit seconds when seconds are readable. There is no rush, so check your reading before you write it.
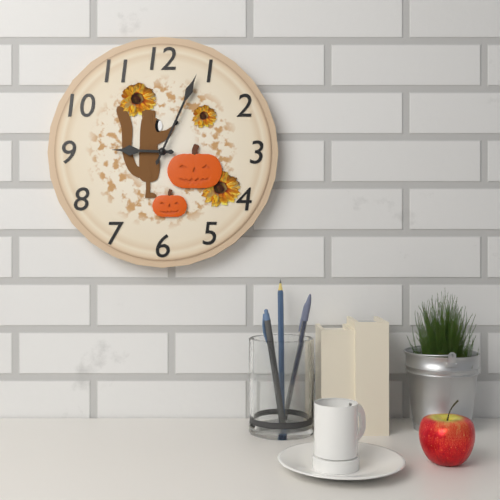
9,04
